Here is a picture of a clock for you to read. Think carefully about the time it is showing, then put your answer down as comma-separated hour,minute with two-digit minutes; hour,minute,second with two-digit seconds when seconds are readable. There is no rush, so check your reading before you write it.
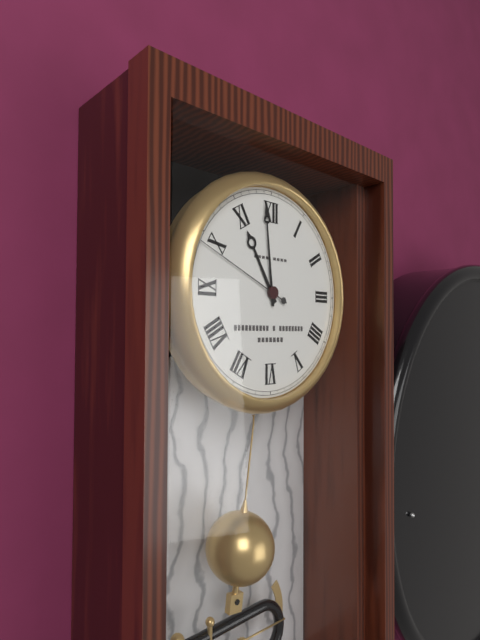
10,59,49
